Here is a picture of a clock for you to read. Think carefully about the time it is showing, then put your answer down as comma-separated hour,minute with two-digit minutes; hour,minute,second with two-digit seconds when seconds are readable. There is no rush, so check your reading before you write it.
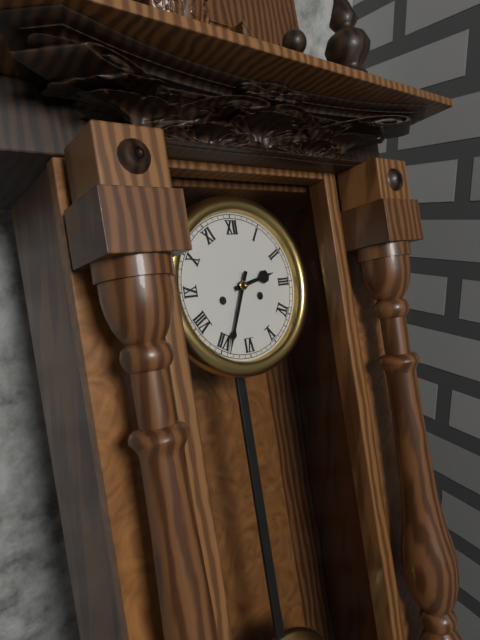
2,34
